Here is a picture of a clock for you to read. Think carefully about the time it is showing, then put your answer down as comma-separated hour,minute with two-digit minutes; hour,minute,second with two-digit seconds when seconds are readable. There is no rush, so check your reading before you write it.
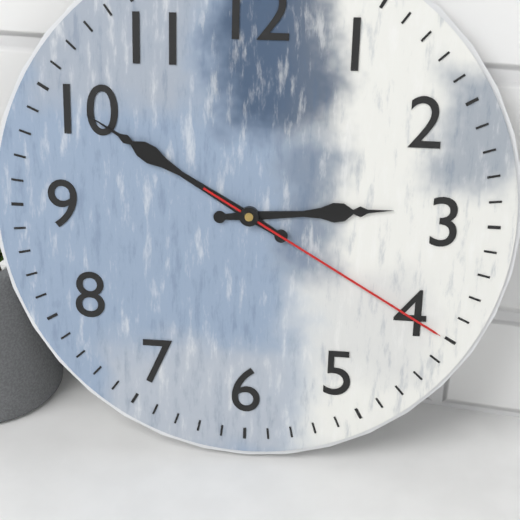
2,50,20
